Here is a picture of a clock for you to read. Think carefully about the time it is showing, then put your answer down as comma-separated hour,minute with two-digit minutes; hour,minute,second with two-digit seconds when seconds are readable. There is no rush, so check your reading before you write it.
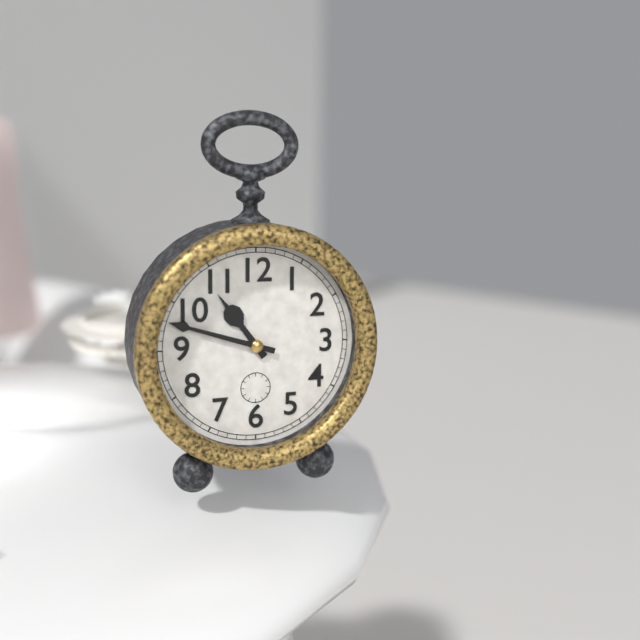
10,48
